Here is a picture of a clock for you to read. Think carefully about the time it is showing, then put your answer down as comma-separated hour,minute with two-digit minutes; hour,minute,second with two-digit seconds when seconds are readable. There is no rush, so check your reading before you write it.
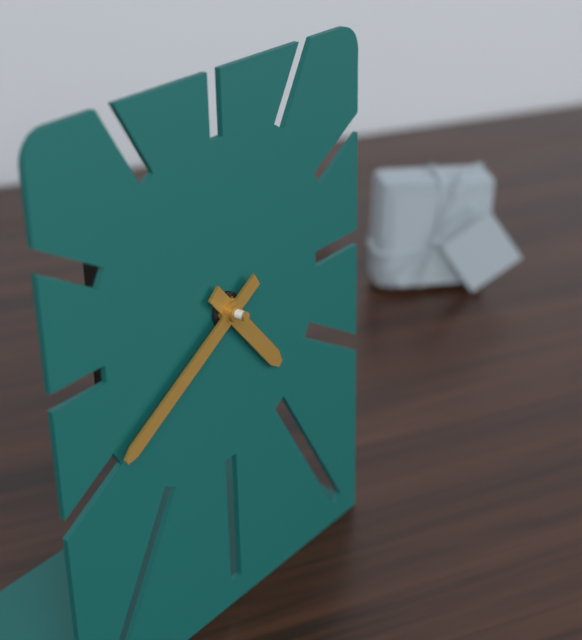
4,40
